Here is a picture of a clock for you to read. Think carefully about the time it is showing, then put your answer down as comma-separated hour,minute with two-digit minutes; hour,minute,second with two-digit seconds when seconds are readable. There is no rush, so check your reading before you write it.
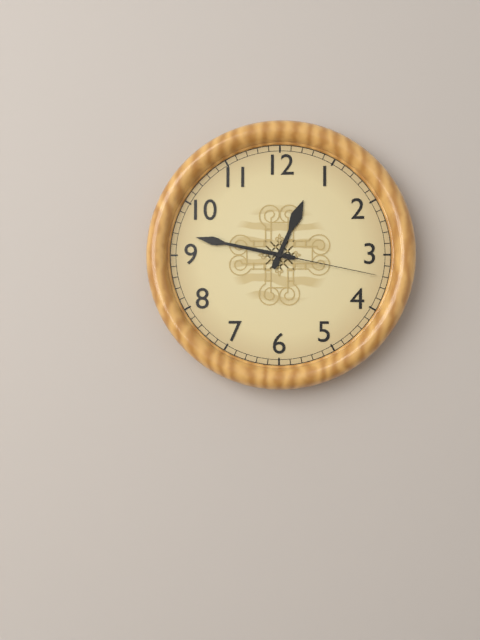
12,47,17
